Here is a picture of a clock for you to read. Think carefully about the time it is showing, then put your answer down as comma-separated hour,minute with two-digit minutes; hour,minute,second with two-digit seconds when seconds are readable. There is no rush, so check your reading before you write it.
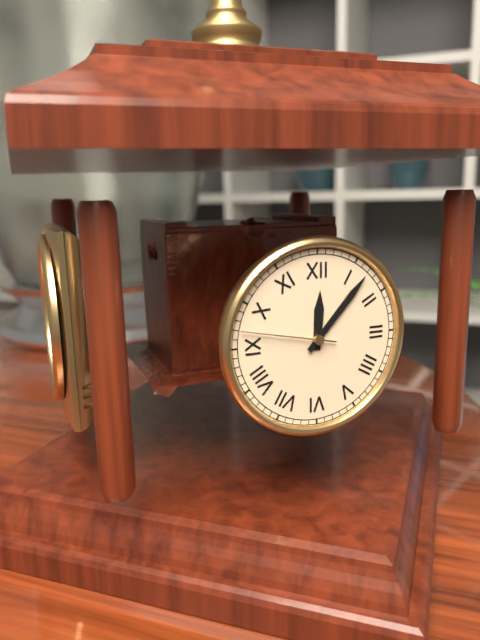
12,07,47
